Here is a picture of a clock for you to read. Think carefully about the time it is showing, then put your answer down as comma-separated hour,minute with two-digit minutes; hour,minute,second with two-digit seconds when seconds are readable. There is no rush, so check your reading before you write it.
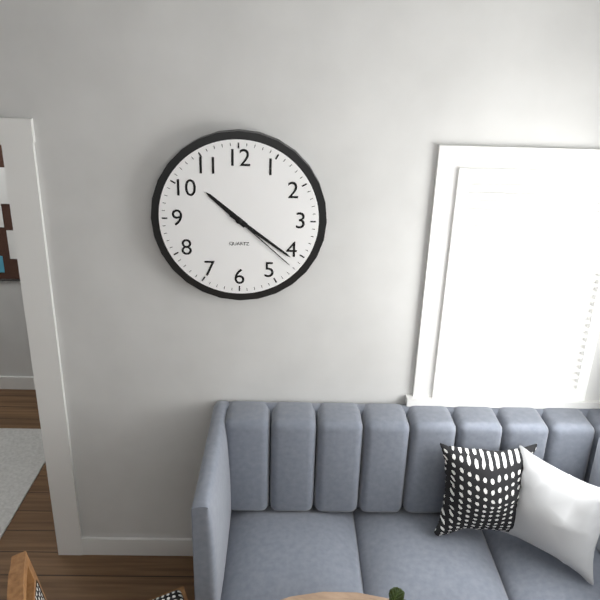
10,21,22
